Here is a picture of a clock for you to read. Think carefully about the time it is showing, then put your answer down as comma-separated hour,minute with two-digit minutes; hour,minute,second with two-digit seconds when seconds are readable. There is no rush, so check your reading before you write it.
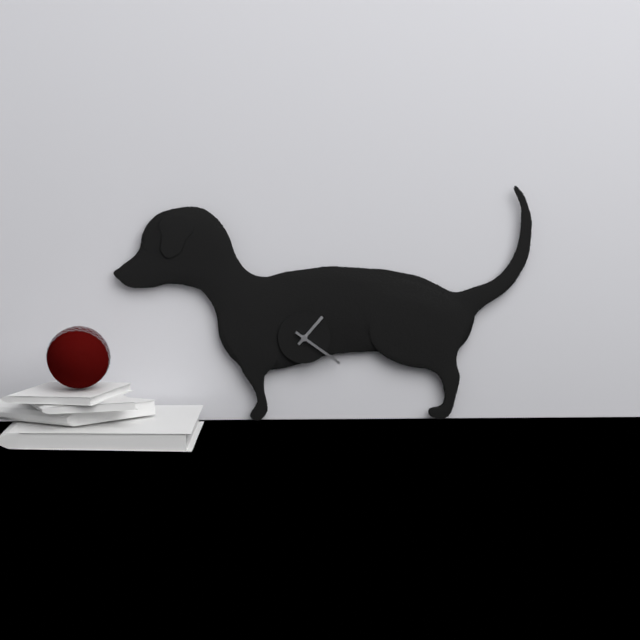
1,21
